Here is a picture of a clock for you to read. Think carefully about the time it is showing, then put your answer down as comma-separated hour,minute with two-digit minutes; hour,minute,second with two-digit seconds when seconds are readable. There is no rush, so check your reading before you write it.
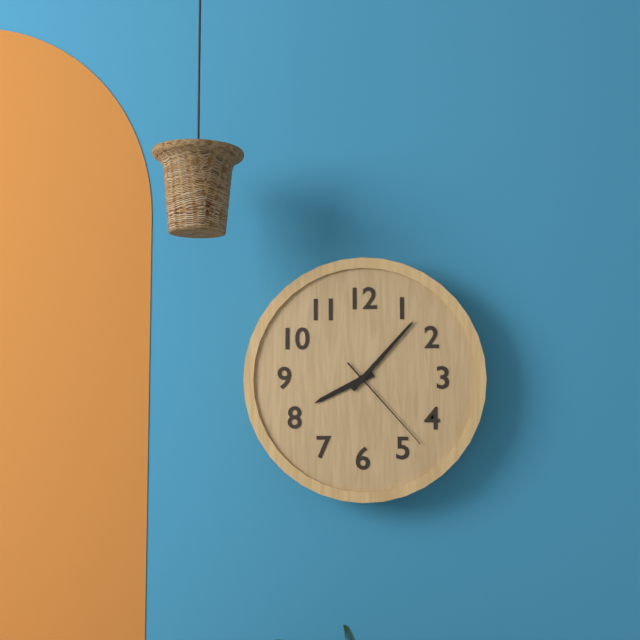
8,07,23
